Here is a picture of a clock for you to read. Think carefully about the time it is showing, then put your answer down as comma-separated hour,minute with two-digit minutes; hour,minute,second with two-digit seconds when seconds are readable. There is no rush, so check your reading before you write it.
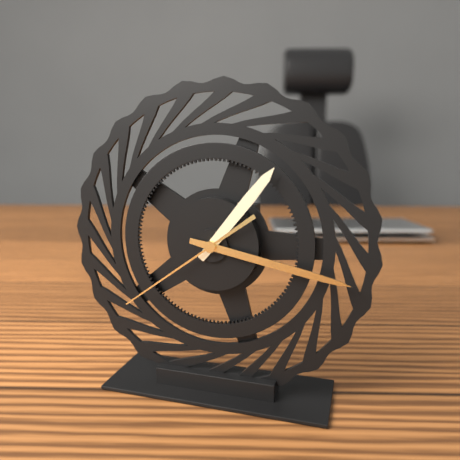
1,17,39
